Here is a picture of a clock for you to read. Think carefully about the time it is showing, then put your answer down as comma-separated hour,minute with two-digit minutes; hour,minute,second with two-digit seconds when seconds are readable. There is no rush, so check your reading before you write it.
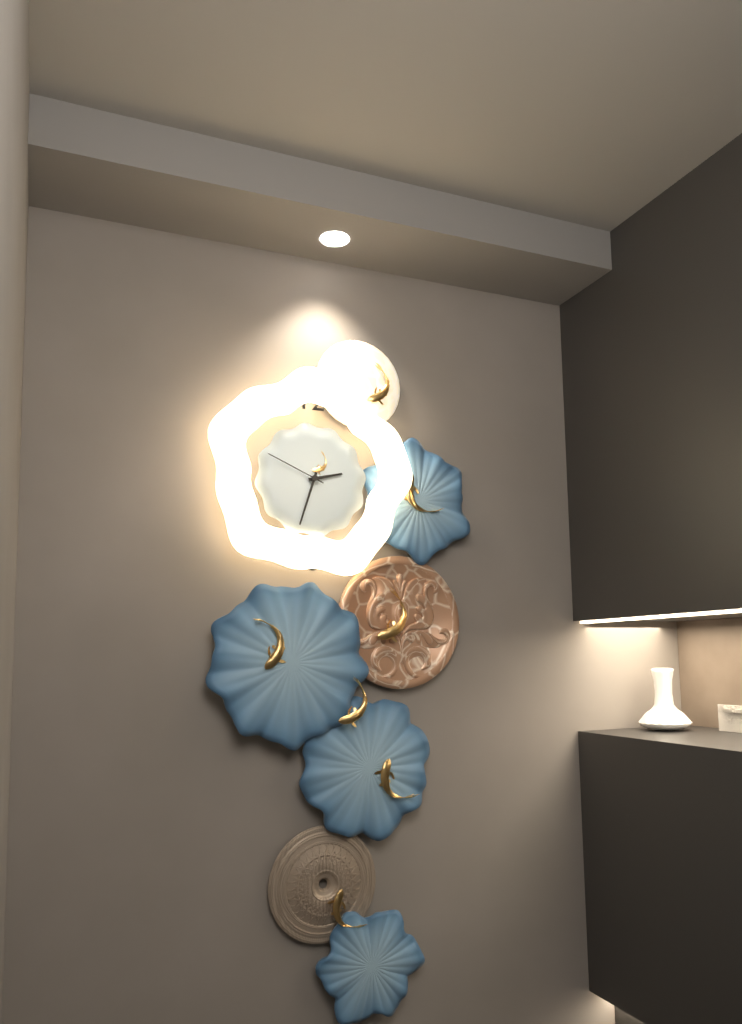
2,33,49
